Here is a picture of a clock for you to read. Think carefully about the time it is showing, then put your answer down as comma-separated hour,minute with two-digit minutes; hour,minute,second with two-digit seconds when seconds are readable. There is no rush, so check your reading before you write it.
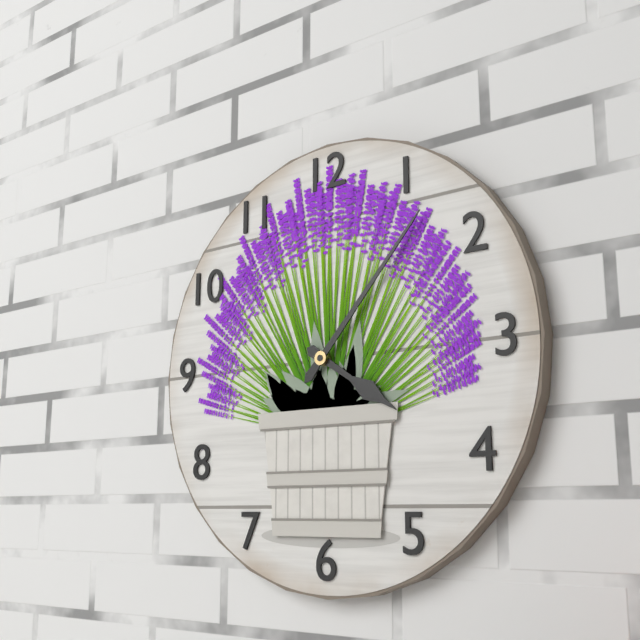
4,07
